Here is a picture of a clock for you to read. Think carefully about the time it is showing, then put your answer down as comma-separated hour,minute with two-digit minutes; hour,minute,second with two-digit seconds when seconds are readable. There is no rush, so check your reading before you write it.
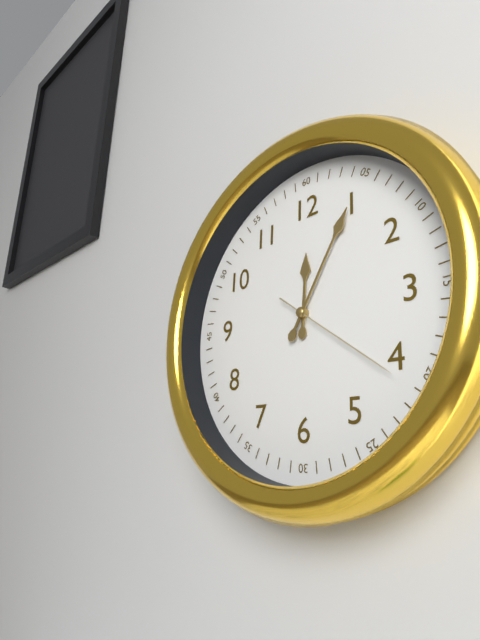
12,05,21
